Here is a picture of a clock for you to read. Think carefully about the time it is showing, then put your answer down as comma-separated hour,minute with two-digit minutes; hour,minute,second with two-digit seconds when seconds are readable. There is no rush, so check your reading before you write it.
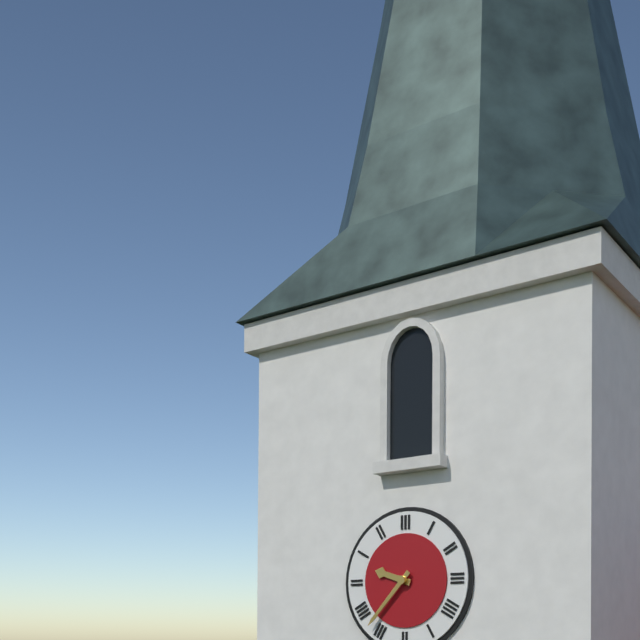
9,37
